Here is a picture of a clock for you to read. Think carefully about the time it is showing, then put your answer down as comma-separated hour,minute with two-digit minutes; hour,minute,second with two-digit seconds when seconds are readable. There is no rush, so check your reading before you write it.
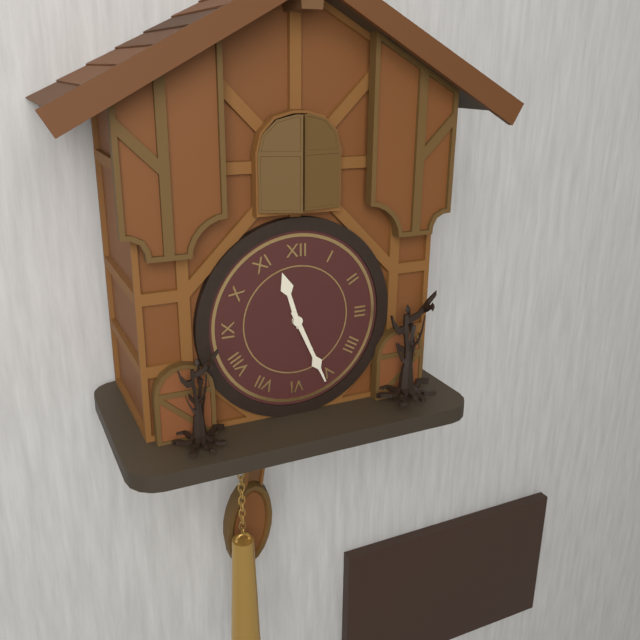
11,26
